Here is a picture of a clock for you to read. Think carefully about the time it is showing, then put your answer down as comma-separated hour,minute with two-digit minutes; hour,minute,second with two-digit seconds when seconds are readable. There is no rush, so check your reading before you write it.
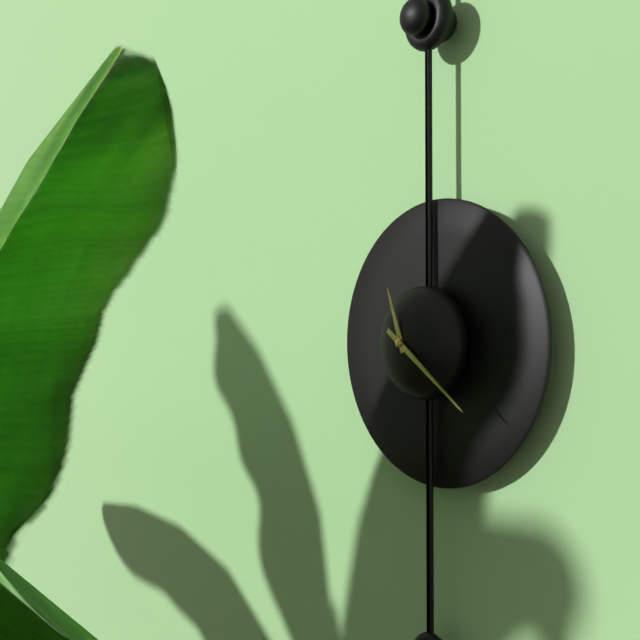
11,21
